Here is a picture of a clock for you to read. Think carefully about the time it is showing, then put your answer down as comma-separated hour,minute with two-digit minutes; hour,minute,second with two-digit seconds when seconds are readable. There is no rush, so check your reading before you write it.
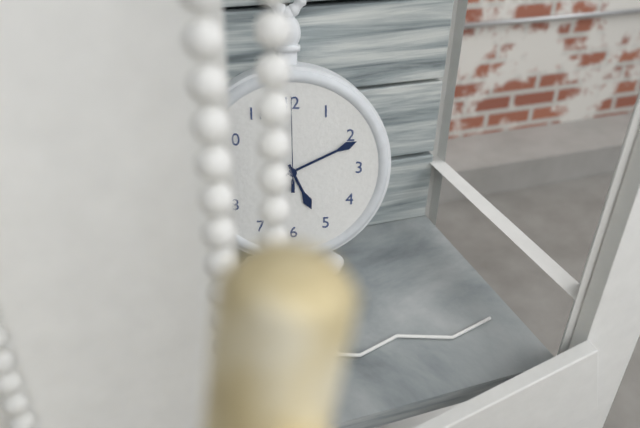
5,11,00
